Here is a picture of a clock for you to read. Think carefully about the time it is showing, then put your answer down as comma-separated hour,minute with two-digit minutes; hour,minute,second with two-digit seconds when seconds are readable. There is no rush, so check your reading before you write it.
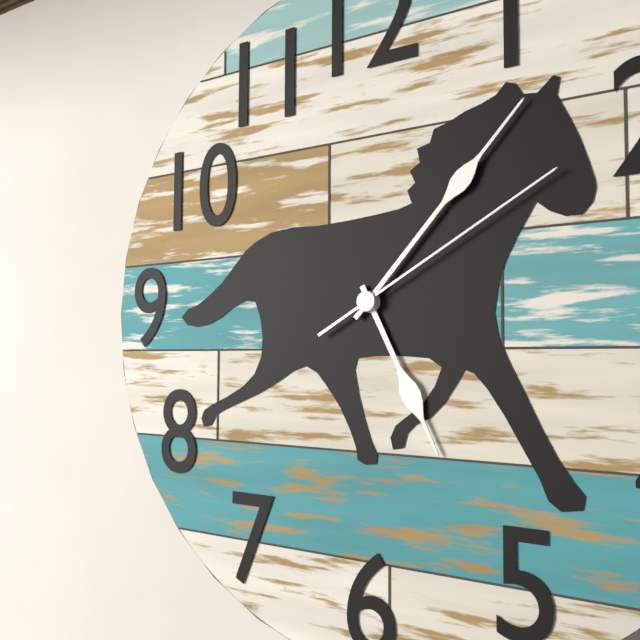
5,07,10
